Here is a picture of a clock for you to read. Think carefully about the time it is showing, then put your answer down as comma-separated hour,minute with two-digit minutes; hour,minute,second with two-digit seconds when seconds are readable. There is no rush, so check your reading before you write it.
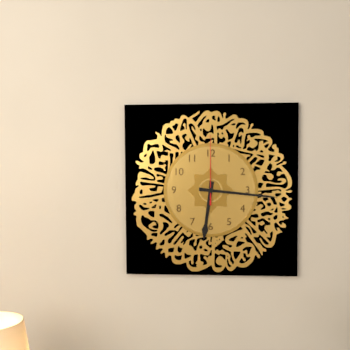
6,16,00
